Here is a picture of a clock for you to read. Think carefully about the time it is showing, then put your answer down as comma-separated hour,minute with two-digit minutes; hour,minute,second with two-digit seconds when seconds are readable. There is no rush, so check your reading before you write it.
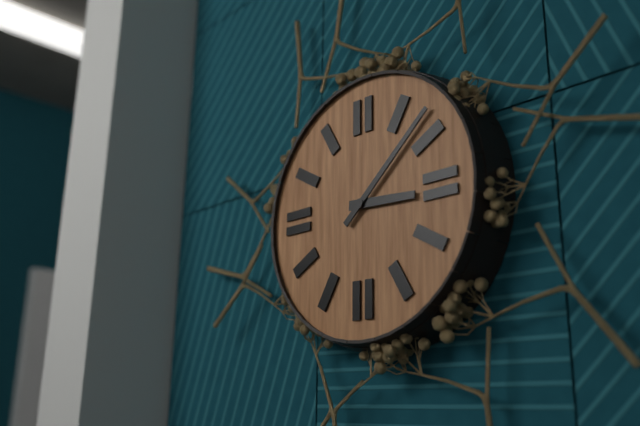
3,08
